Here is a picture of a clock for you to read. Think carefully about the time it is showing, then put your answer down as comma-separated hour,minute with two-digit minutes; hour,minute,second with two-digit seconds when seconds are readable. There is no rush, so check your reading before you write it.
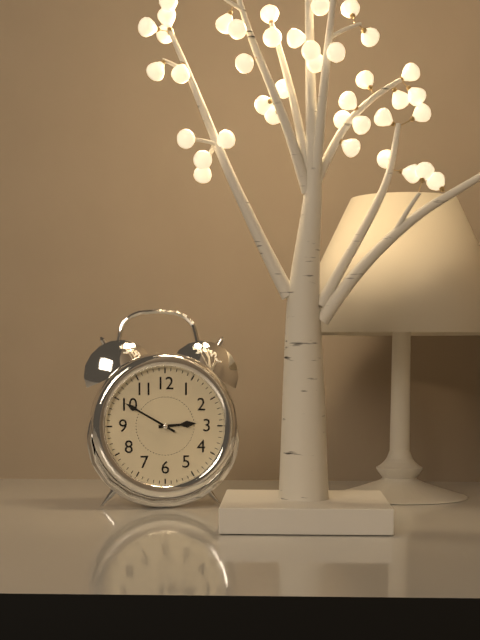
2,50
